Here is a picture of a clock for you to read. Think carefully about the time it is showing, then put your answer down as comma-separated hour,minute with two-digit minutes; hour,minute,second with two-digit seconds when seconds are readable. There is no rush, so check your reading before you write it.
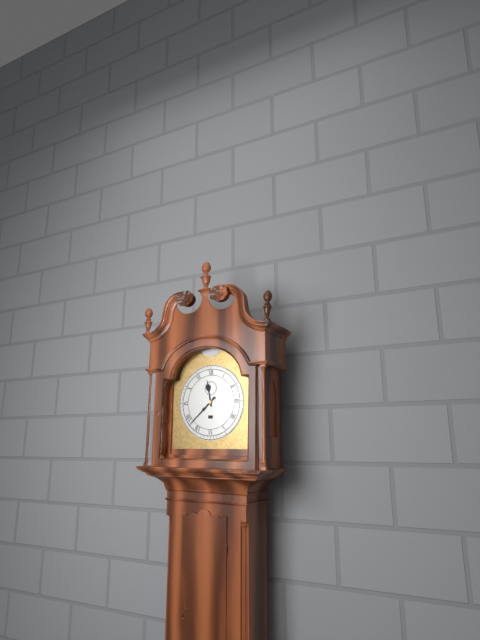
11,38
